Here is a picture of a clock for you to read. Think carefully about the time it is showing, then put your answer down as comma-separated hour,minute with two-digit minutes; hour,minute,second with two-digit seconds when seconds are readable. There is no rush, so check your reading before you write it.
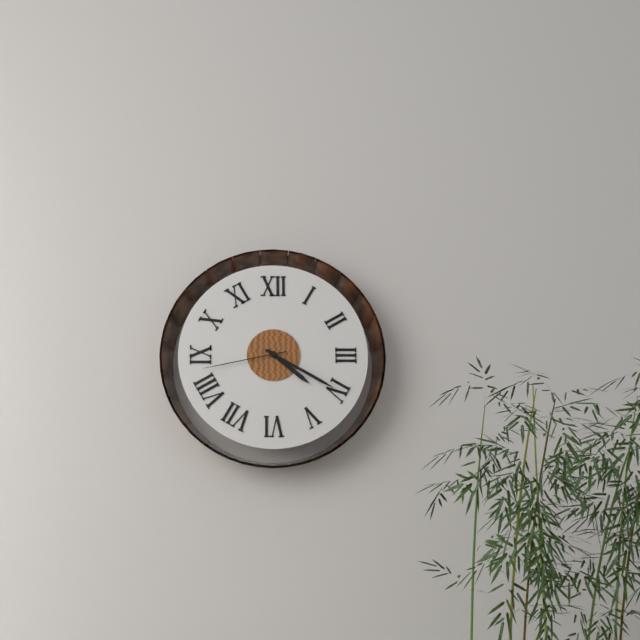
4,20,43
